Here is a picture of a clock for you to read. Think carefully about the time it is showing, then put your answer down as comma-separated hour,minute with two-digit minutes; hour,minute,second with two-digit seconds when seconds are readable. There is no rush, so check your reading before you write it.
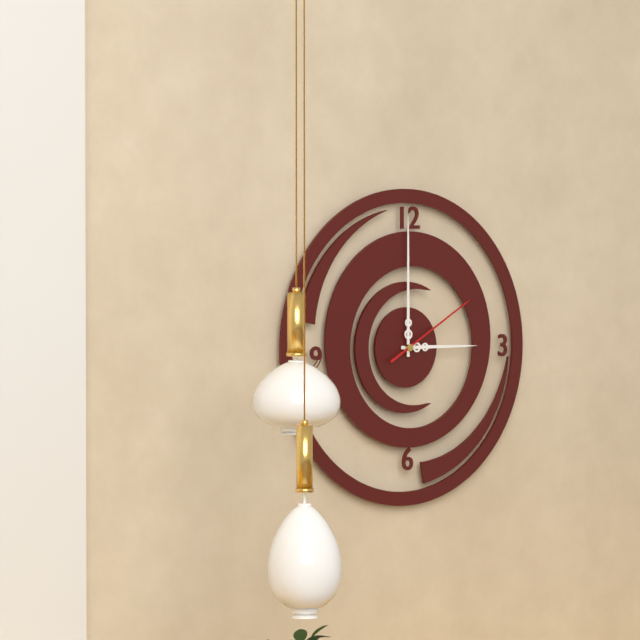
3,00,10
